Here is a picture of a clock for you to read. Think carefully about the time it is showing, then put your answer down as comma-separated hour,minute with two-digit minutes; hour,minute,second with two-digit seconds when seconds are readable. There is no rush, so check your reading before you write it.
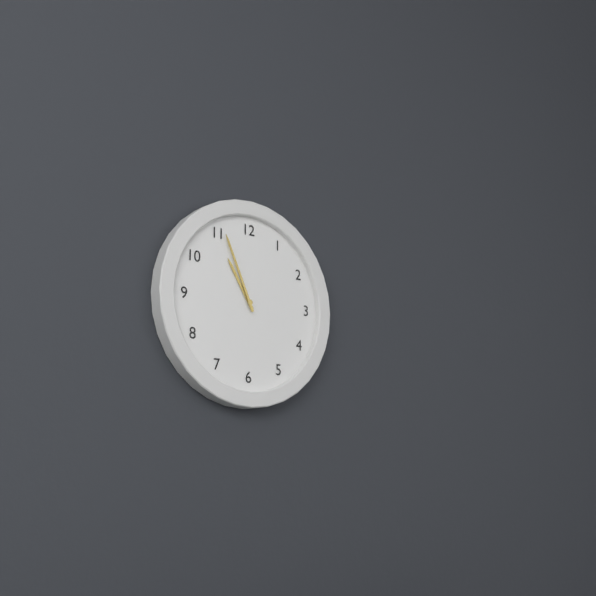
10,56
